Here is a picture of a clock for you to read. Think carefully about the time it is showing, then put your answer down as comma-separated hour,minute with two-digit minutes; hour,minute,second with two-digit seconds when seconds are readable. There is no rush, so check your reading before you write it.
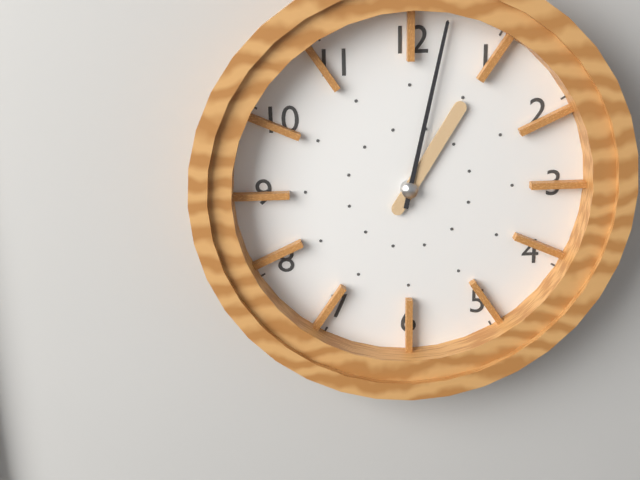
1,02
